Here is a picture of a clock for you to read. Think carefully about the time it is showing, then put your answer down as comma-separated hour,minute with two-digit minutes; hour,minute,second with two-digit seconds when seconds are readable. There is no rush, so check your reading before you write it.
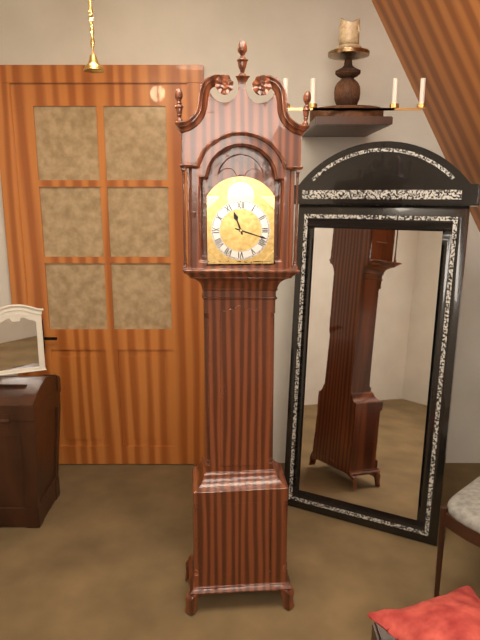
11,18
